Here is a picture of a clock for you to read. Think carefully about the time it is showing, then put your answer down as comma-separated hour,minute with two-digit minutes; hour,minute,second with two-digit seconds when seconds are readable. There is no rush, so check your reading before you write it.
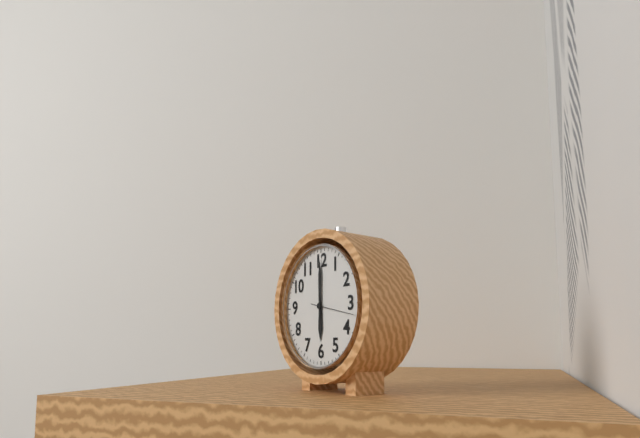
6,00
